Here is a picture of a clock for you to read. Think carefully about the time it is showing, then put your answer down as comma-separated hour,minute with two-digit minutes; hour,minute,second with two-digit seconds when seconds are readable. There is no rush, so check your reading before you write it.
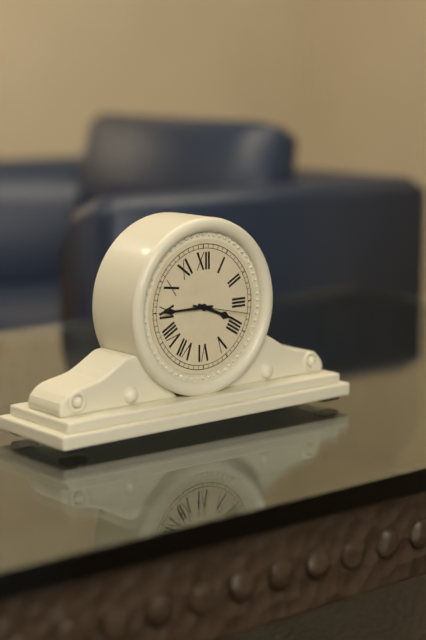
3,45,17
